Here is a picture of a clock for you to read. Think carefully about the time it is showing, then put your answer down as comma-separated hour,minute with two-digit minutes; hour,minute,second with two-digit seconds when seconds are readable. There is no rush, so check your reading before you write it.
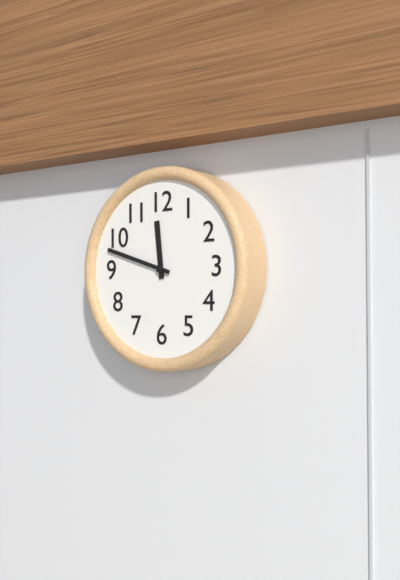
11,48
